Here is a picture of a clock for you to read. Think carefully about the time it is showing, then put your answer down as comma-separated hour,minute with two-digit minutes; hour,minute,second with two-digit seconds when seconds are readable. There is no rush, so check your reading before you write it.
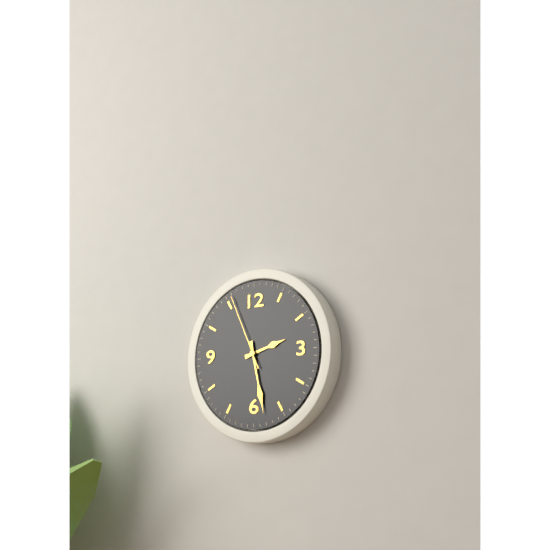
2,28,56
